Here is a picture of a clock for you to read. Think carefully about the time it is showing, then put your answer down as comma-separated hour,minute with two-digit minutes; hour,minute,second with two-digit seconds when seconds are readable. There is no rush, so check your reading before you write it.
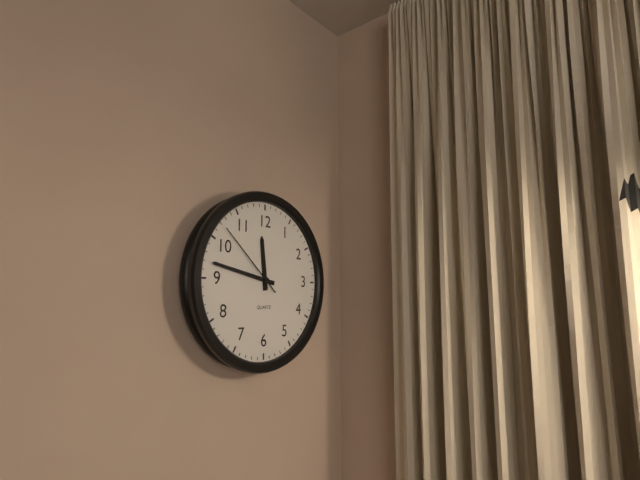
11,47,52
